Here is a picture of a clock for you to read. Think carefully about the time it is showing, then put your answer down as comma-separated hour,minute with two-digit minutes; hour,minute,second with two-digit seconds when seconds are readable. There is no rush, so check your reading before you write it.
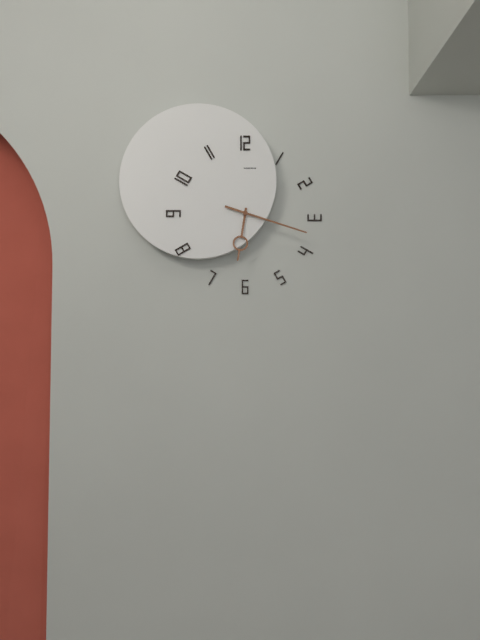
6,18
